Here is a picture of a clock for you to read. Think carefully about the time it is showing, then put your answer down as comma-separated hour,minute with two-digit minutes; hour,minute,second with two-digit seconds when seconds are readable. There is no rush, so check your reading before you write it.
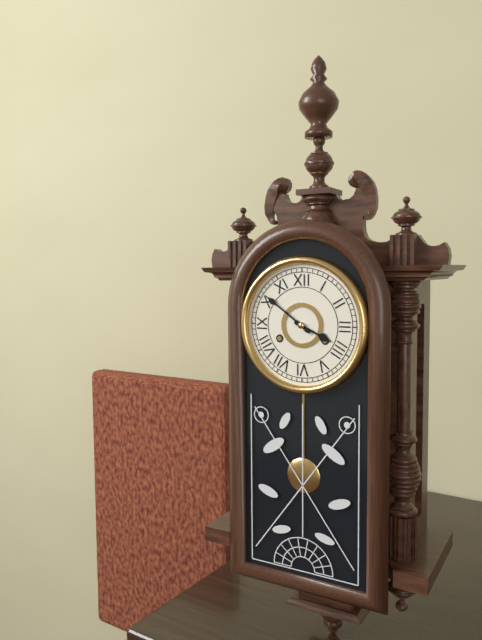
3,51
